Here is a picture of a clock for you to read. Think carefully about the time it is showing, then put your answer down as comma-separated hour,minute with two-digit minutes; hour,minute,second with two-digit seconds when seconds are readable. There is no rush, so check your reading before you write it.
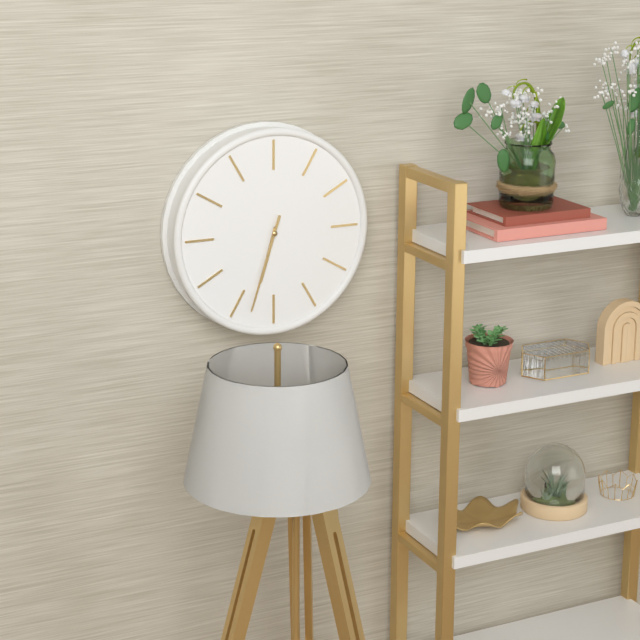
6,33
